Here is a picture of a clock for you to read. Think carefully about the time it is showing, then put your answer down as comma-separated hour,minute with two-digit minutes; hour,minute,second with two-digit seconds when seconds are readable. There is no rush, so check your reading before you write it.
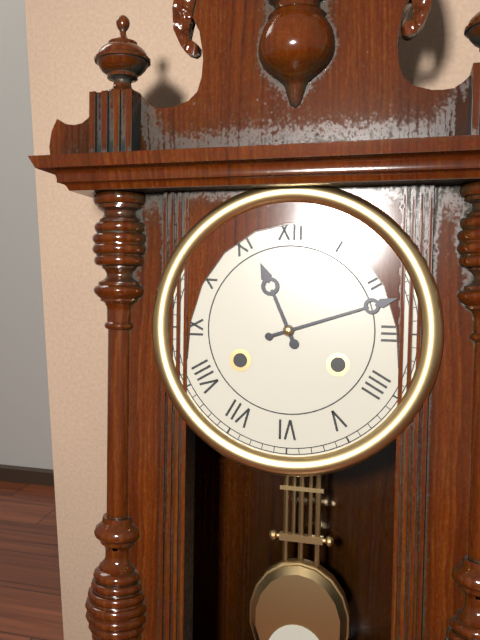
11,12
